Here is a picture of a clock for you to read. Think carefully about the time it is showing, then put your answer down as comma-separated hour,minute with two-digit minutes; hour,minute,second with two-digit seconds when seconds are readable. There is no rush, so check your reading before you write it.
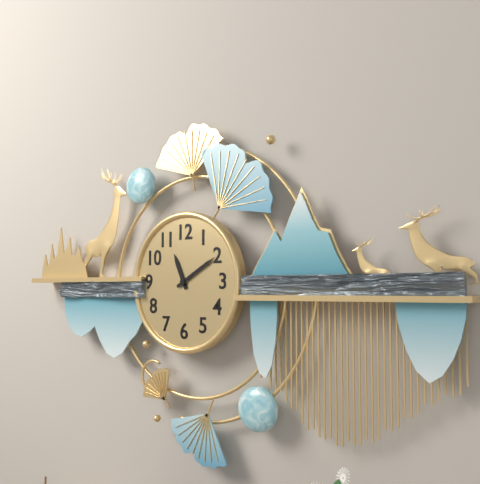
11,10
